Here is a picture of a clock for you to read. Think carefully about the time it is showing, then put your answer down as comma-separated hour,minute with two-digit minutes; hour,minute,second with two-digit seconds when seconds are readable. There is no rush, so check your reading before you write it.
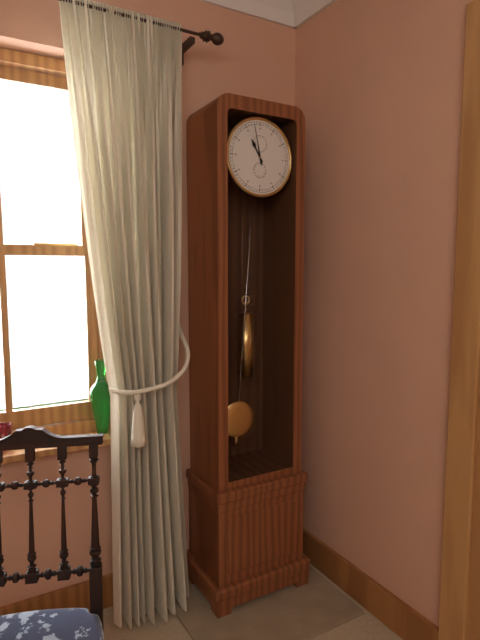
10,58
